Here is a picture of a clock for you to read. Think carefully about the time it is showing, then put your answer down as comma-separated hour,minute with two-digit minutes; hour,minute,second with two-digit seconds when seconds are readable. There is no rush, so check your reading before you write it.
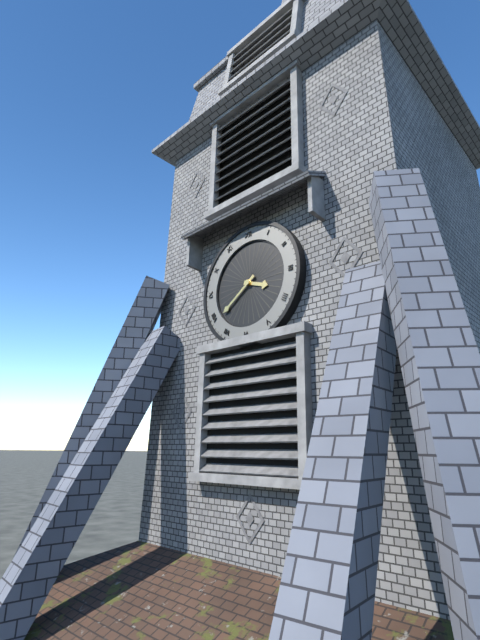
3,39
